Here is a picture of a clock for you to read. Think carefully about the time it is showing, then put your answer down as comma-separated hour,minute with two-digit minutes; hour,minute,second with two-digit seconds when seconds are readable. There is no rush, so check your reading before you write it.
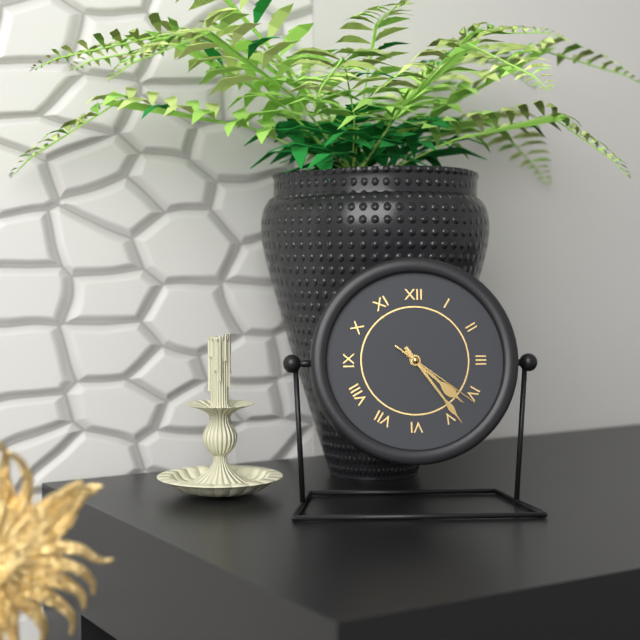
4,24,21
